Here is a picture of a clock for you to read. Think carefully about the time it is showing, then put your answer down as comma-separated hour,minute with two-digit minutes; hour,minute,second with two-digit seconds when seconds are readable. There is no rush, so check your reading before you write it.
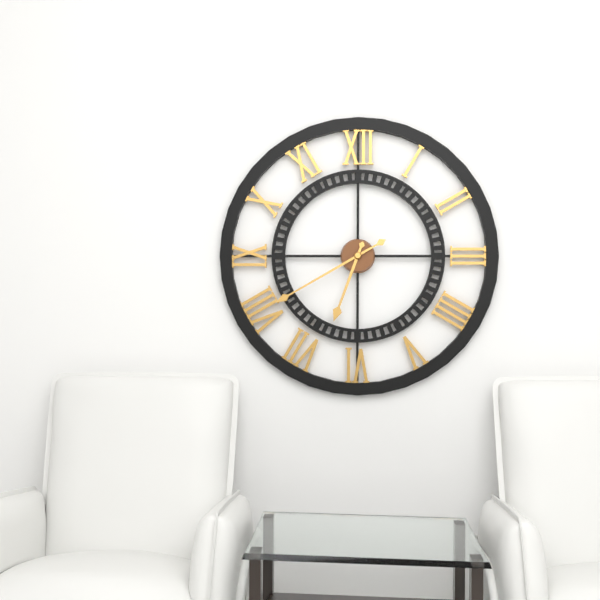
6,40
